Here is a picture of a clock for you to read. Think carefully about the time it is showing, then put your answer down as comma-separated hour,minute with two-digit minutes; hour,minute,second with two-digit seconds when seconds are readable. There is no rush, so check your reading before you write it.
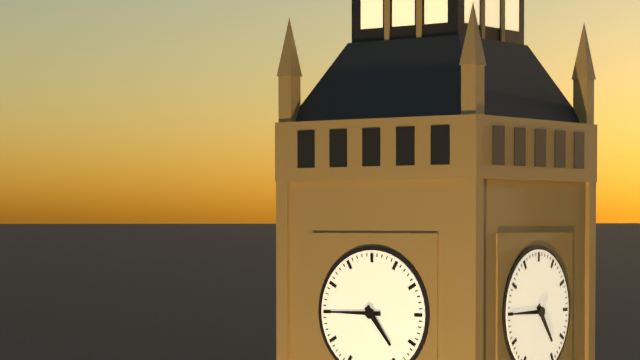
4,45
